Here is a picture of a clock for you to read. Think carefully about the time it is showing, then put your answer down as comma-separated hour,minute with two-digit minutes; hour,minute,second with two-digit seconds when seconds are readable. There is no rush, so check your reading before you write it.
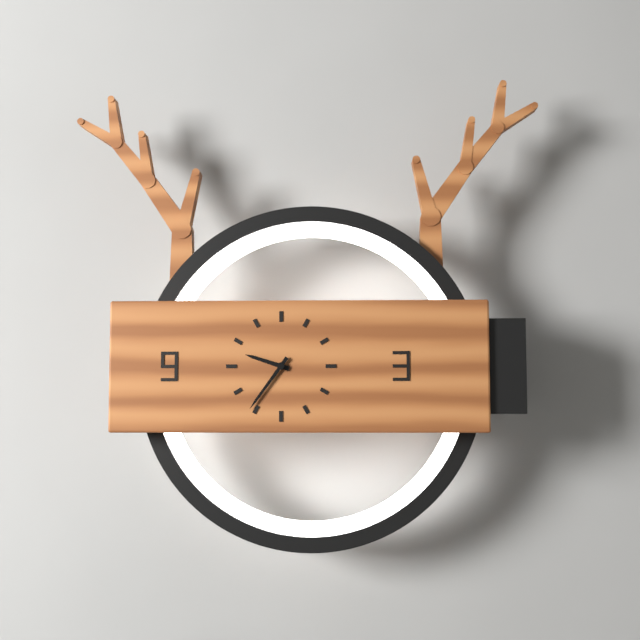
9,36
